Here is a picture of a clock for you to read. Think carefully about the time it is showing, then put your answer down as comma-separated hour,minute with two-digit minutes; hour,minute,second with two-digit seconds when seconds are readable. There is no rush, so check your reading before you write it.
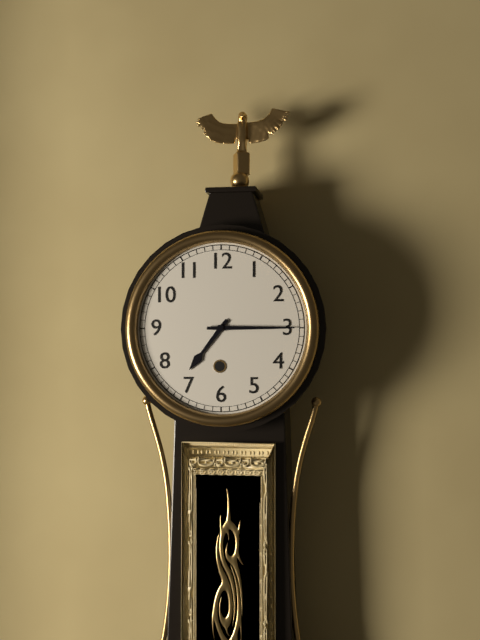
7,15
